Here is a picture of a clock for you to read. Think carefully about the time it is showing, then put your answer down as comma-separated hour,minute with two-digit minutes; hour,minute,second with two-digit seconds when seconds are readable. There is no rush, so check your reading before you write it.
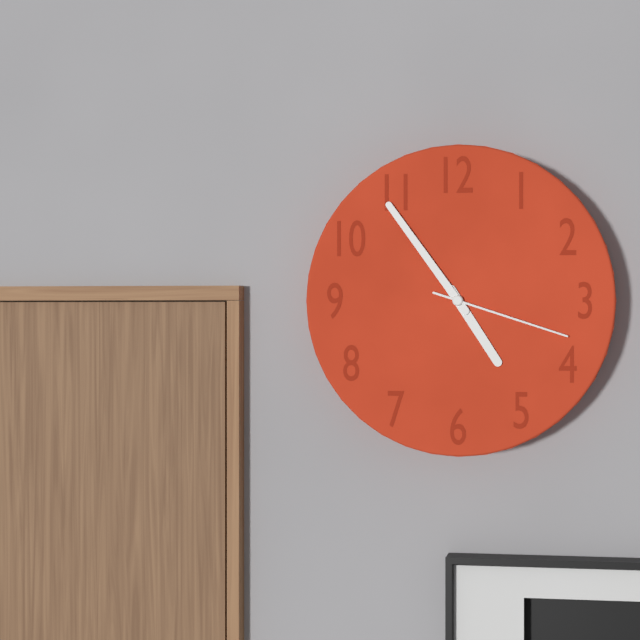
4,54,18
